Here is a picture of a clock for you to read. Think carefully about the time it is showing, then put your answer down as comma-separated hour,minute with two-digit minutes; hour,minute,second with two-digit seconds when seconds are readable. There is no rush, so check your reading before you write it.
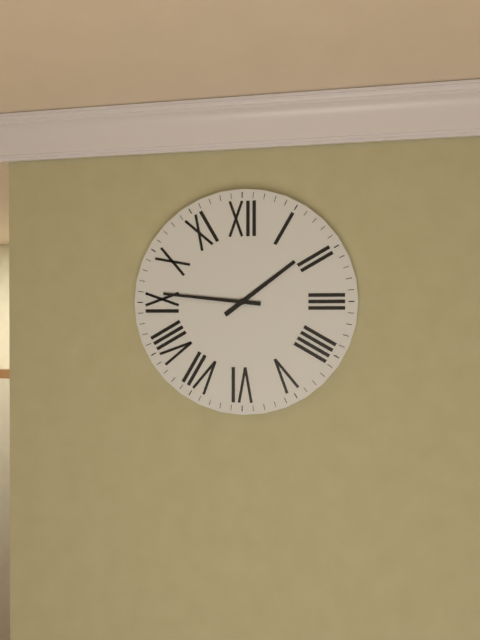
1,46
